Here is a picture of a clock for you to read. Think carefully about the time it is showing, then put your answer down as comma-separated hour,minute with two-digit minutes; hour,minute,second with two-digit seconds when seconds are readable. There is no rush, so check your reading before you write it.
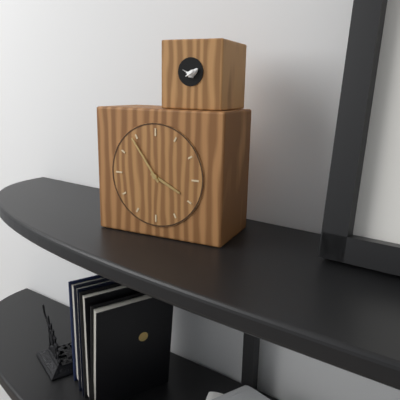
3,54
